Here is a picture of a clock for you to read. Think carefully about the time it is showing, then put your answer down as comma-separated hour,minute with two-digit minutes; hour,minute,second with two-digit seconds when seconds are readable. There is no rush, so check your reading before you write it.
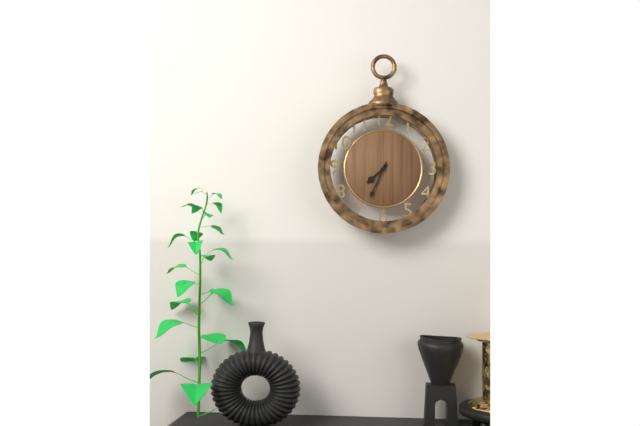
7,34
